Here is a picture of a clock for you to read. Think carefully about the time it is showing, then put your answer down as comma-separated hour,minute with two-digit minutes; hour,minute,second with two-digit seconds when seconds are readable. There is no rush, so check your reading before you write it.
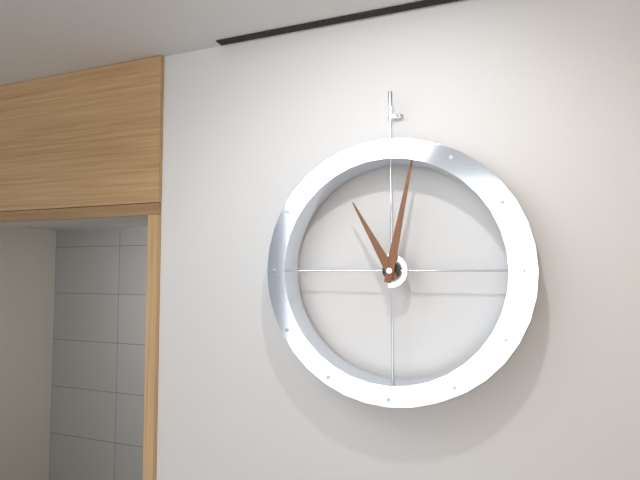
11,02
